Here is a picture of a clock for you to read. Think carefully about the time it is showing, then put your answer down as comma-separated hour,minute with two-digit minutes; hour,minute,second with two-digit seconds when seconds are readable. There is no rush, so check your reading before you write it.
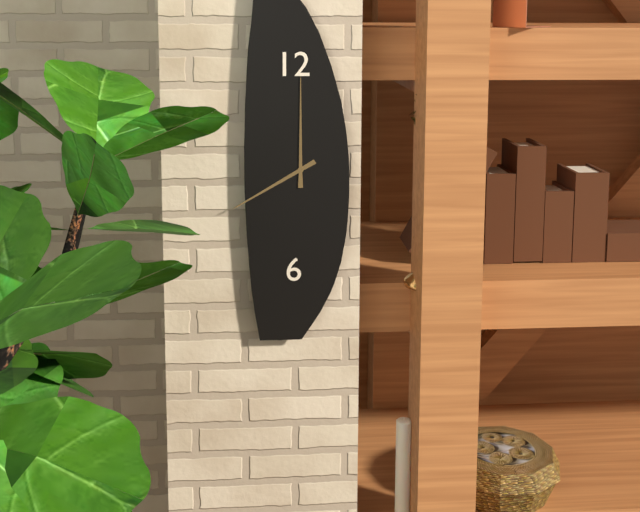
8,00
